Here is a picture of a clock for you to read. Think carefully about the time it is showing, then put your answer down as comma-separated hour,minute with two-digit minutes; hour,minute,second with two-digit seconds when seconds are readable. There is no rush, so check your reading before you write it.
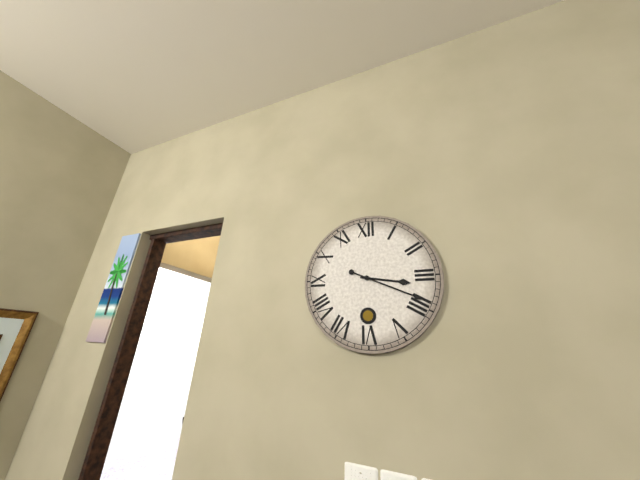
3,19
